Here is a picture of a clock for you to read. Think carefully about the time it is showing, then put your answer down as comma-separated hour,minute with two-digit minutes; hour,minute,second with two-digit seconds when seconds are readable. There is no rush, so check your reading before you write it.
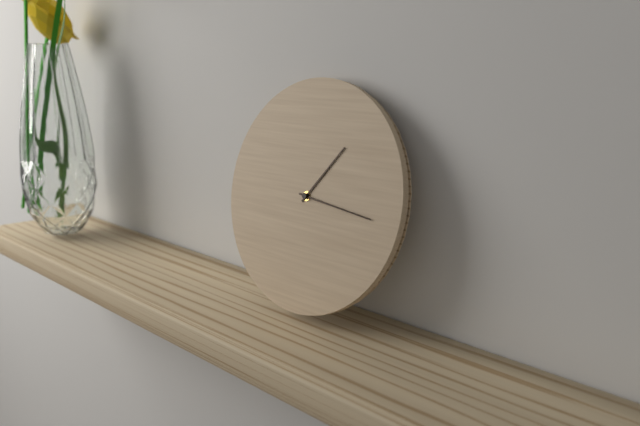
1,16
